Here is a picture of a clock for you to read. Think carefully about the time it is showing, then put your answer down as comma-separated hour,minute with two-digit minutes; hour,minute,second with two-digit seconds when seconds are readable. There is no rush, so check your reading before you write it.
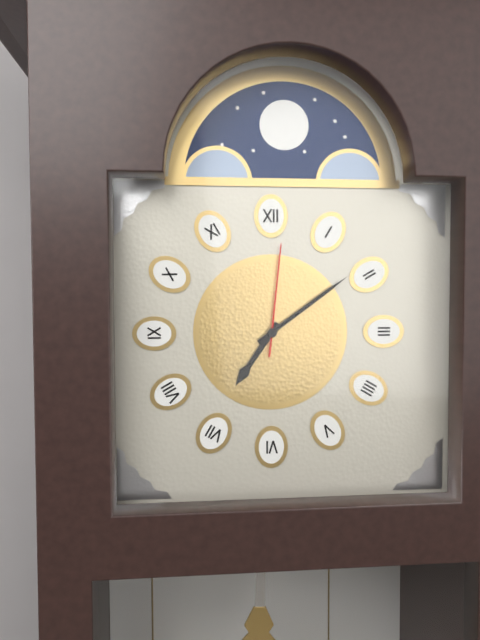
7,09,01
